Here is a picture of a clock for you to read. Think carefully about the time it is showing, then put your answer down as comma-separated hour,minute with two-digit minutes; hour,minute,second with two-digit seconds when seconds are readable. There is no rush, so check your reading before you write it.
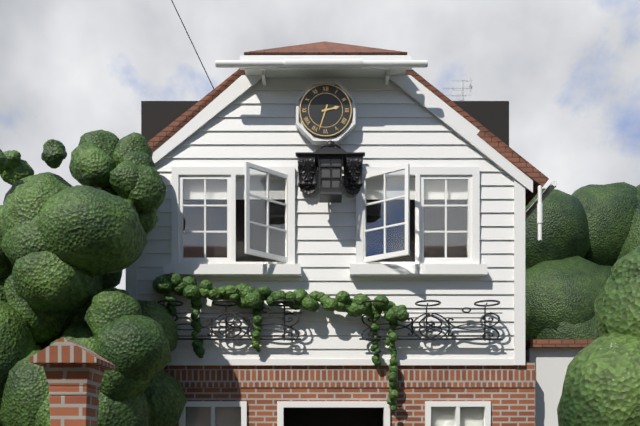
2,33
